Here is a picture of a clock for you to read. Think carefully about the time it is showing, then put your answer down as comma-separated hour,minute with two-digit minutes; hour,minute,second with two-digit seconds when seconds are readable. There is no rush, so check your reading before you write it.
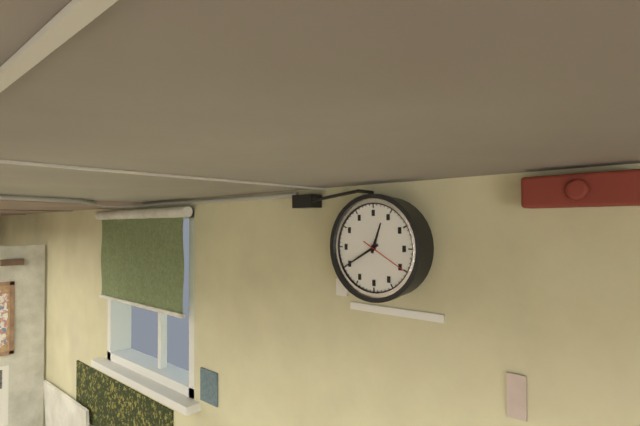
12,40
